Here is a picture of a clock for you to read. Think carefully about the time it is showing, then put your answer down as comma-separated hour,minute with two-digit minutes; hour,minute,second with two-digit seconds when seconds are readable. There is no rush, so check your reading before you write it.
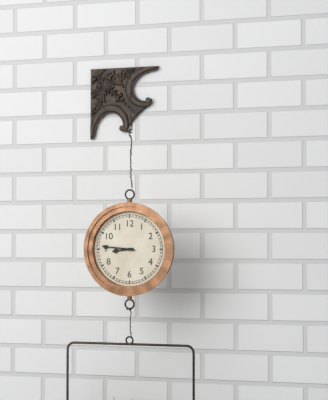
8,46
